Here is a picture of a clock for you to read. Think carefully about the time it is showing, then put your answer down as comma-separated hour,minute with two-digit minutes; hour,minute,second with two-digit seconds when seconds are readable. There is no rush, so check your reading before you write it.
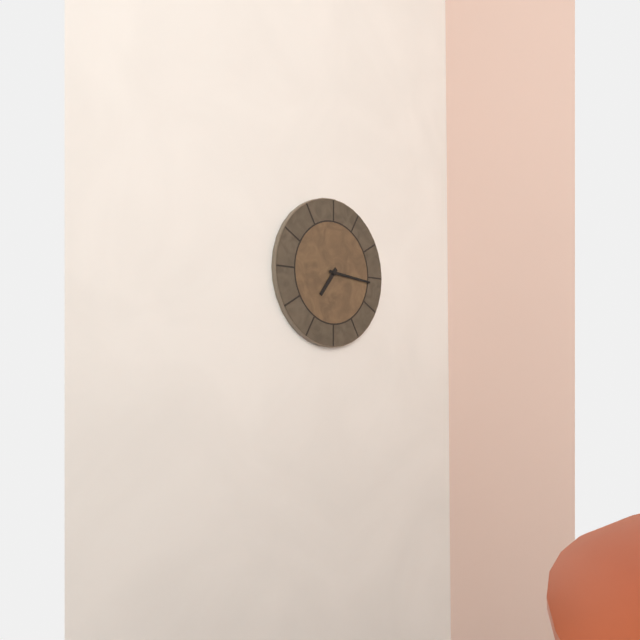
7,16
